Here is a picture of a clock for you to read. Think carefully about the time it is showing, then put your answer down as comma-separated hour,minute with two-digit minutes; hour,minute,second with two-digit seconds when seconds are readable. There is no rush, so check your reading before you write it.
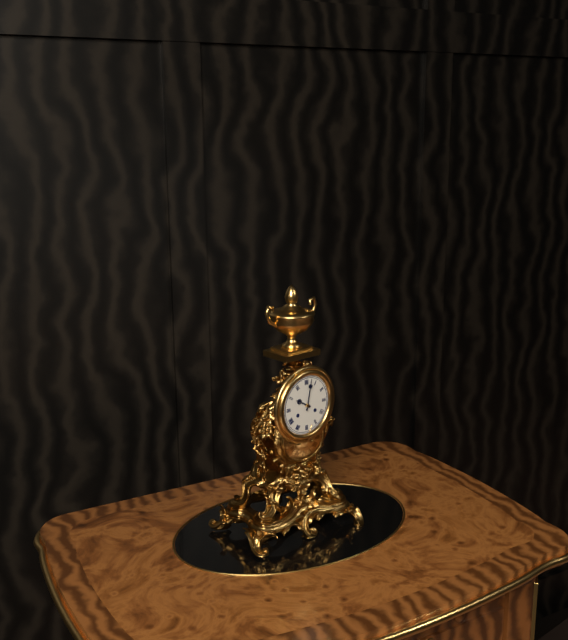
10,02
